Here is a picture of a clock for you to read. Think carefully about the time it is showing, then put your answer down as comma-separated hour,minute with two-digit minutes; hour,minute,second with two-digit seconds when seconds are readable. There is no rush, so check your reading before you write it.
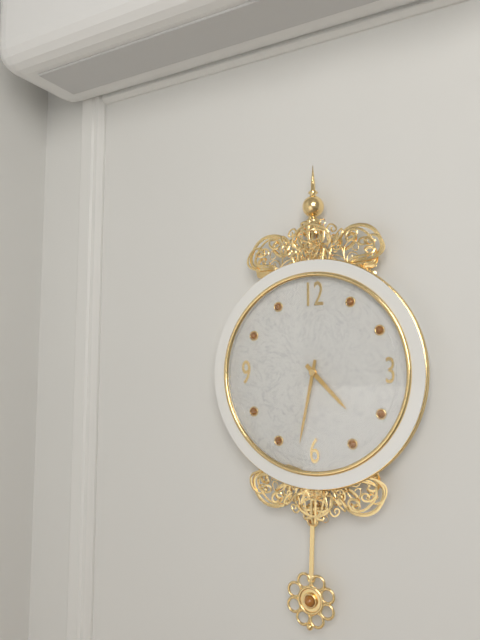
4,32
